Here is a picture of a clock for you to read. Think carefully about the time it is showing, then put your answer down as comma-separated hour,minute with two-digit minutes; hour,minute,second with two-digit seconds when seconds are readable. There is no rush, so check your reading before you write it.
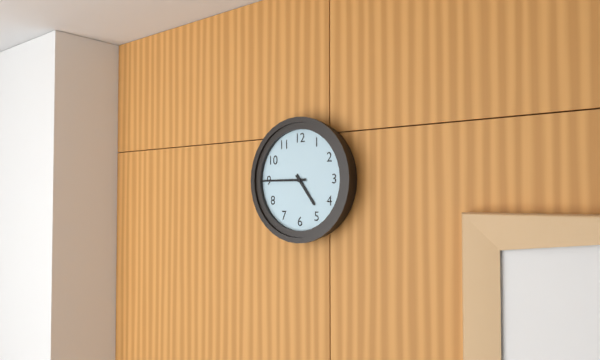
4,45
